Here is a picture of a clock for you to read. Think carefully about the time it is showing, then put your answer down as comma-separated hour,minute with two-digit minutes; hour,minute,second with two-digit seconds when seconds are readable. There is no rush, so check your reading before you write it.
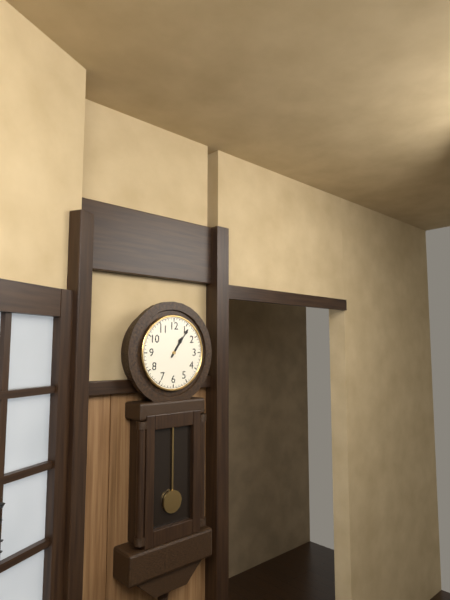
1,06
